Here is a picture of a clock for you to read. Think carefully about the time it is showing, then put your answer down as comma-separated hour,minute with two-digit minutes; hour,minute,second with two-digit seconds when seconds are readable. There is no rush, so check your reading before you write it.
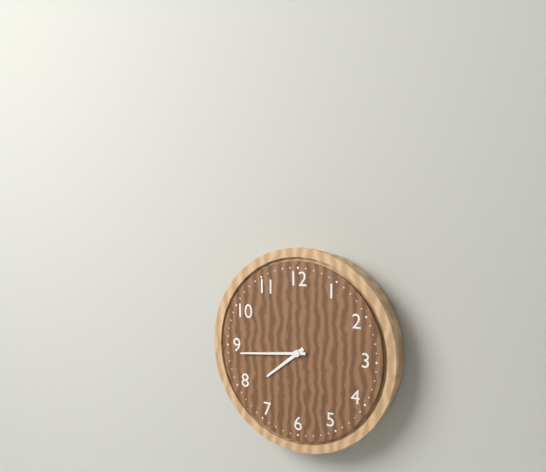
7,44
